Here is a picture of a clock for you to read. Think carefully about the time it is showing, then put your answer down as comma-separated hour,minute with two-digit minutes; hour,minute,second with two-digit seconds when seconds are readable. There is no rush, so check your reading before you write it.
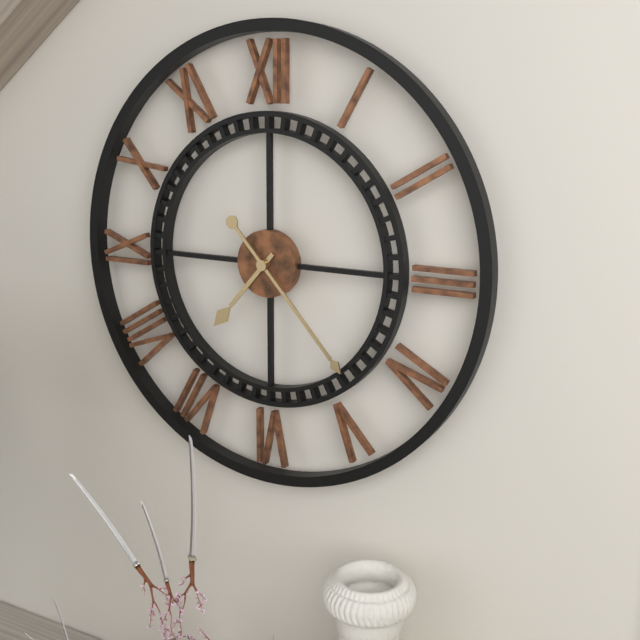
7,23
